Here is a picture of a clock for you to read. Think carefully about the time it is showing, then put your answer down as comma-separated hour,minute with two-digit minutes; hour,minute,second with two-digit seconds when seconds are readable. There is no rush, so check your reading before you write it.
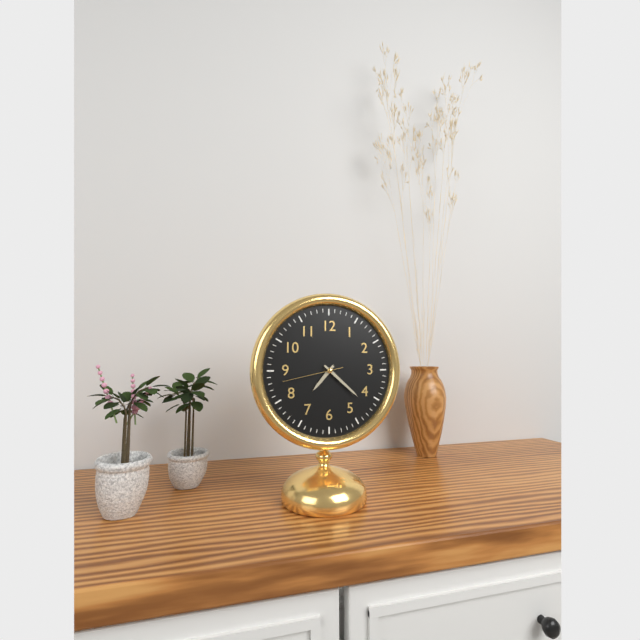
7,22,43
